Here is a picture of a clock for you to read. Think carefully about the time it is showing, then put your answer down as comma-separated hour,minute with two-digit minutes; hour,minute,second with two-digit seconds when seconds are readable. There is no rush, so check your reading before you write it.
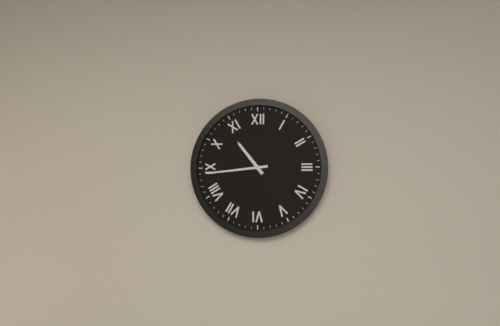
10,44
